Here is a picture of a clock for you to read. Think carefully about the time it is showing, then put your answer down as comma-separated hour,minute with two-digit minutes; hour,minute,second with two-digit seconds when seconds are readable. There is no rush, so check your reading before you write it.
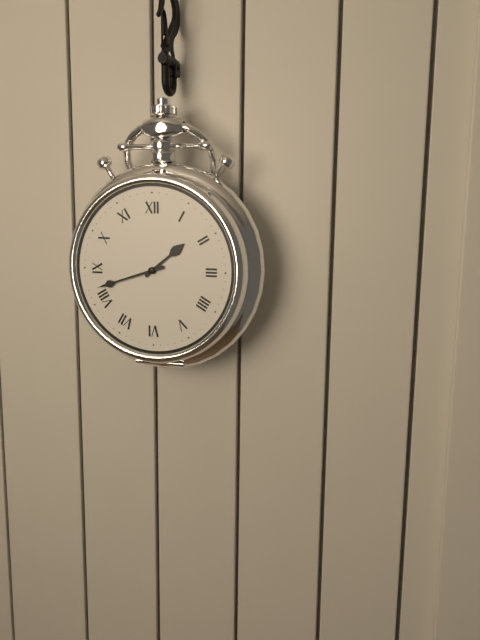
1,42
